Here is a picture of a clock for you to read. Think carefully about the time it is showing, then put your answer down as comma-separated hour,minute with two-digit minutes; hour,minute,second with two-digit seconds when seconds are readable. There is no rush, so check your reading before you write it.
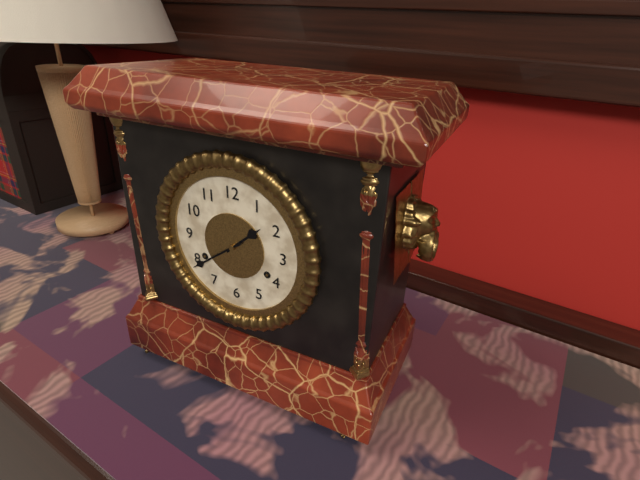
1,39
